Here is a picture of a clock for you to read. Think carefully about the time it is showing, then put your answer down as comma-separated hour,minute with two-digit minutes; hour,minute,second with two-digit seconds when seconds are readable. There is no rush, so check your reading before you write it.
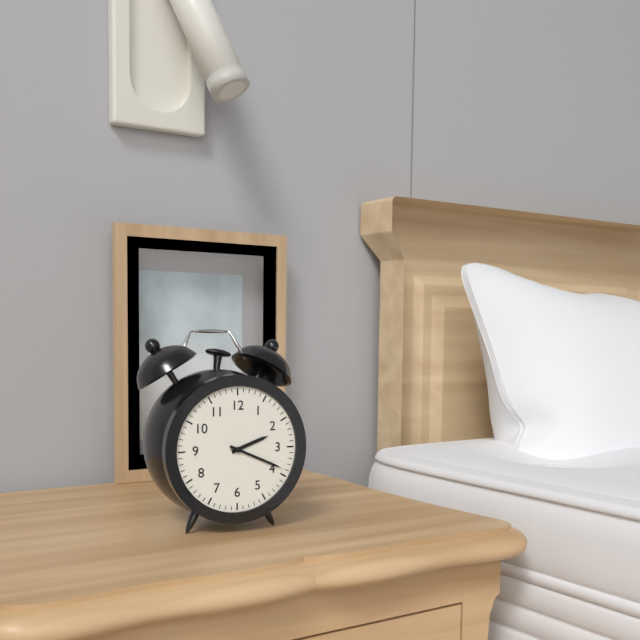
2,19
